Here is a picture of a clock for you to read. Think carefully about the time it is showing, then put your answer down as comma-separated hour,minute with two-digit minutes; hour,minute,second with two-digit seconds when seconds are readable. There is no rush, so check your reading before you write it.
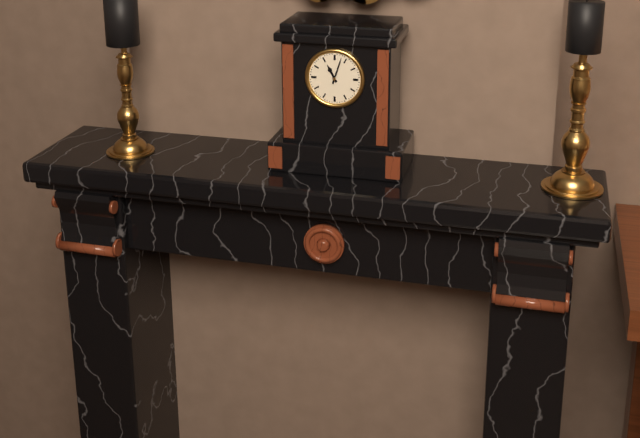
11,03
